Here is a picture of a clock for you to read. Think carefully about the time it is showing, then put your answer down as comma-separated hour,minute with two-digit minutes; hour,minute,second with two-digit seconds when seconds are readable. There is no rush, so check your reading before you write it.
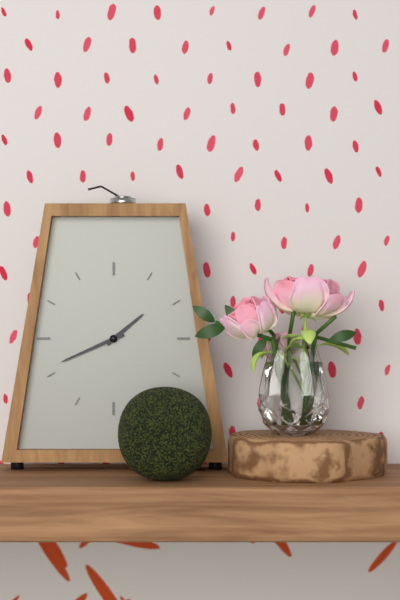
1,41
